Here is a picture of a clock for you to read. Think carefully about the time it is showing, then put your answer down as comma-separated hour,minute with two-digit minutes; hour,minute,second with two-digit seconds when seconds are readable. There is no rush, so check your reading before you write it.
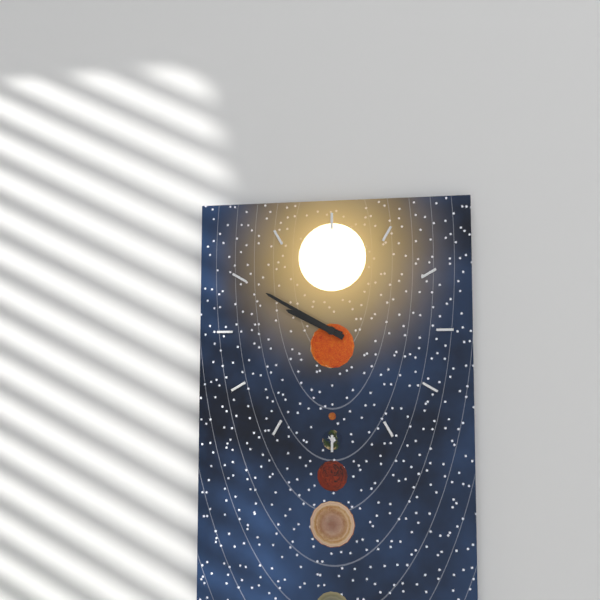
9,50
